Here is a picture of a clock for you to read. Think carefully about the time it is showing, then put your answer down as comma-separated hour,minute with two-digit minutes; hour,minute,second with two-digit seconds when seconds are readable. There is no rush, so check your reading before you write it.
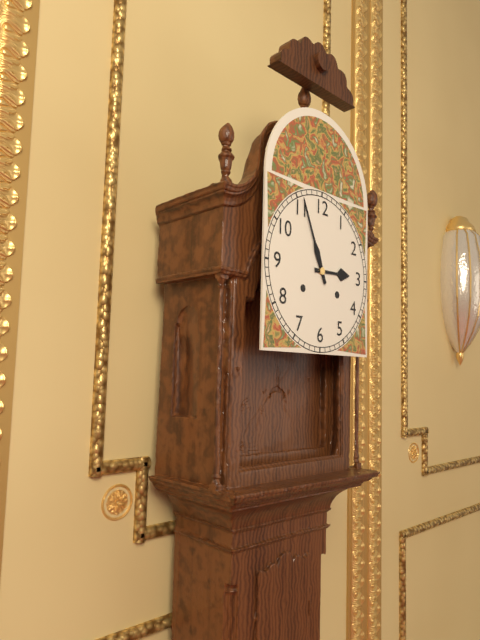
2,56
